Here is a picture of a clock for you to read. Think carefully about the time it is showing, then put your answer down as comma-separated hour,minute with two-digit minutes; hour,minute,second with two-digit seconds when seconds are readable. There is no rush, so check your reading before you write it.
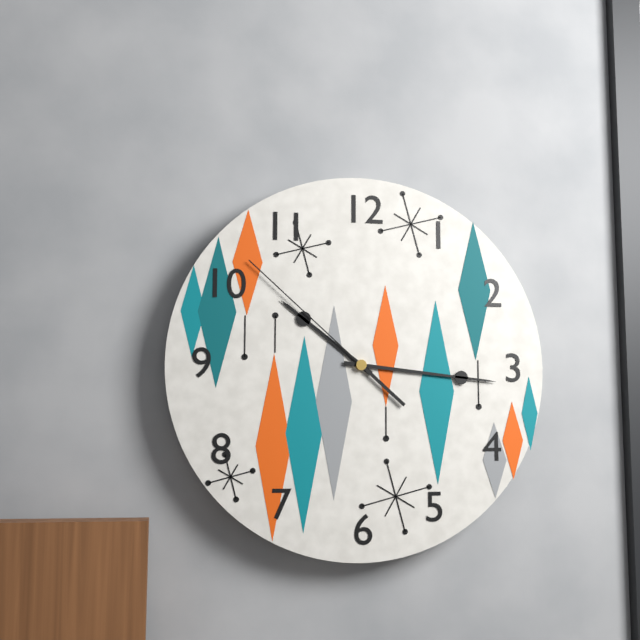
10,16,52
